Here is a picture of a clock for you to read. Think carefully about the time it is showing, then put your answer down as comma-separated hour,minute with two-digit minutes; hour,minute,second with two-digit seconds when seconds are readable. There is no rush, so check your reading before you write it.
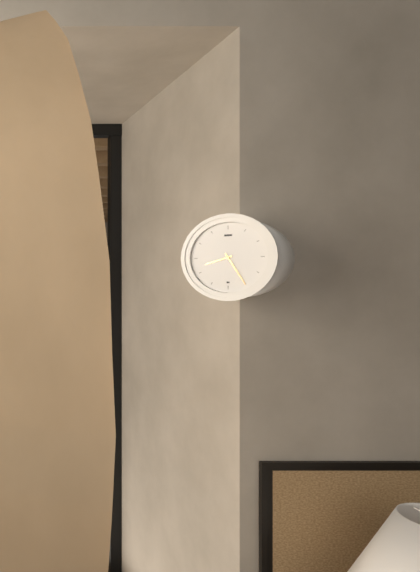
8,25
